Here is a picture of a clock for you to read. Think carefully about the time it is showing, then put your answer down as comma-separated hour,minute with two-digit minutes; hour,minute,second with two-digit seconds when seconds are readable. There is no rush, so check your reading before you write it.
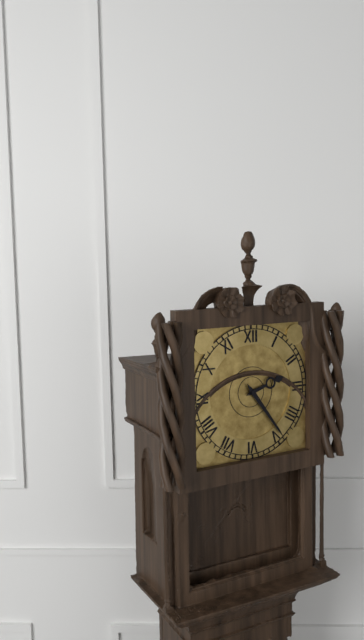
2,24
